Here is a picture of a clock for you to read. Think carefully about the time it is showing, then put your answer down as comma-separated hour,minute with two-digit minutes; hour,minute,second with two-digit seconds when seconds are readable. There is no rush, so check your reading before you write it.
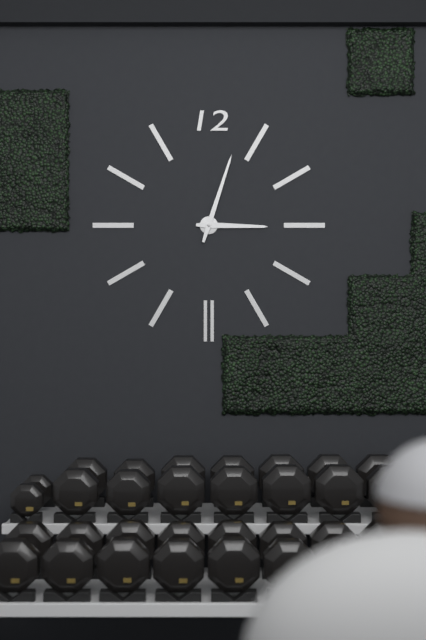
3,03
